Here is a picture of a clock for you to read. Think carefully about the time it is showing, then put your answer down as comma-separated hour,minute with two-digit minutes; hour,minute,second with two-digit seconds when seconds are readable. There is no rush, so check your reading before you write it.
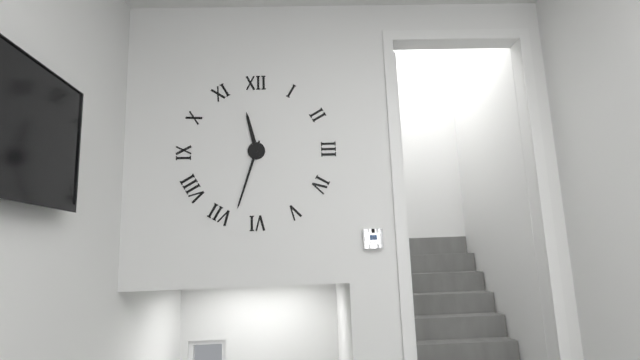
11,33
